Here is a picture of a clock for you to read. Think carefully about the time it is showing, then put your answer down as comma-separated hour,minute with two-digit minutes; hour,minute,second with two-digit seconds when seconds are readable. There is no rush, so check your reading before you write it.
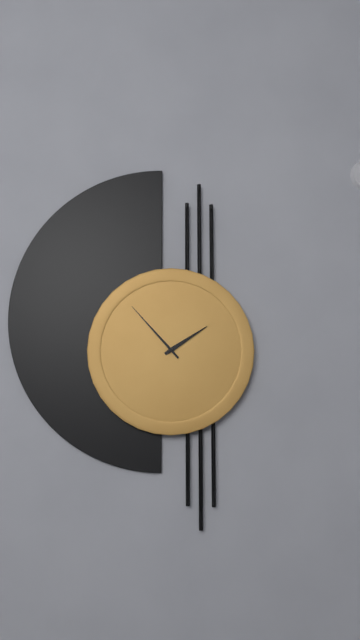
1,53
